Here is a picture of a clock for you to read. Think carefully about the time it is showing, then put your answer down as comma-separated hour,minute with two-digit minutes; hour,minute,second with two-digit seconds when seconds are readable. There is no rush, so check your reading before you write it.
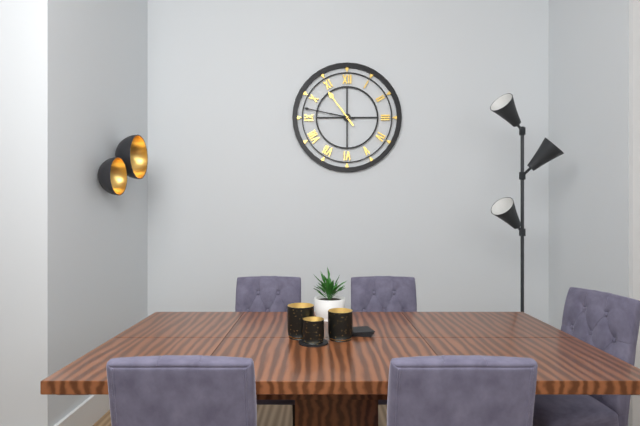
10,47
